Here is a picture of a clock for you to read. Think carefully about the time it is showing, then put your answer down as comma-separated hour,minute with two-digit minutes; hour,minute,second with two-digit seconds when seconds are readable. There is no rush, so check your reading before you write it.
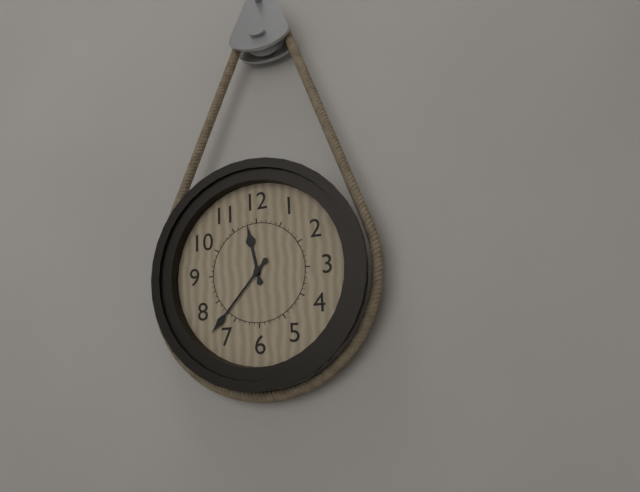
11,37
